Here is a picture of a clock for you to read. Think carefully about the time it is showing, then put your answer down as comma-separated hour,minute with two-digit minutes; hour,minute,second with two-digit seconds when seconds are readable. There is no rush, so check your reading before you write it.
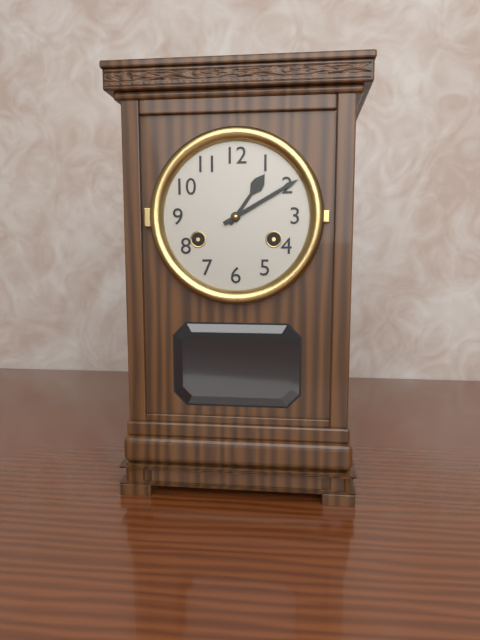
1,10
